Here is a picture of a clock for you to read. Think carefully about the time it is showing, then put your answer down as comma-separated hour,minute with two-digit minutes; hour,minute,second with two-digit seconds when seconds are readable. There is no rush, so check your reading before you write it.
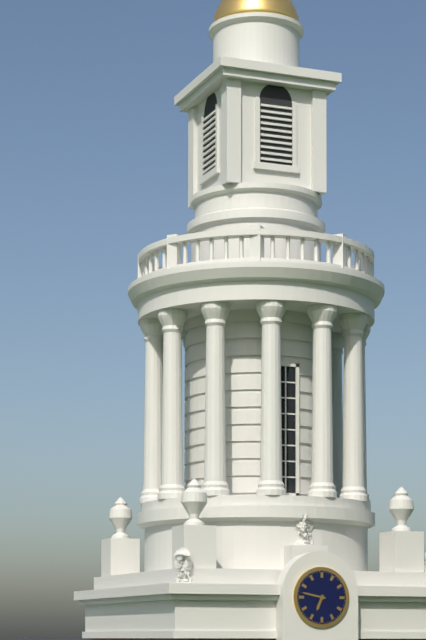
6,47
